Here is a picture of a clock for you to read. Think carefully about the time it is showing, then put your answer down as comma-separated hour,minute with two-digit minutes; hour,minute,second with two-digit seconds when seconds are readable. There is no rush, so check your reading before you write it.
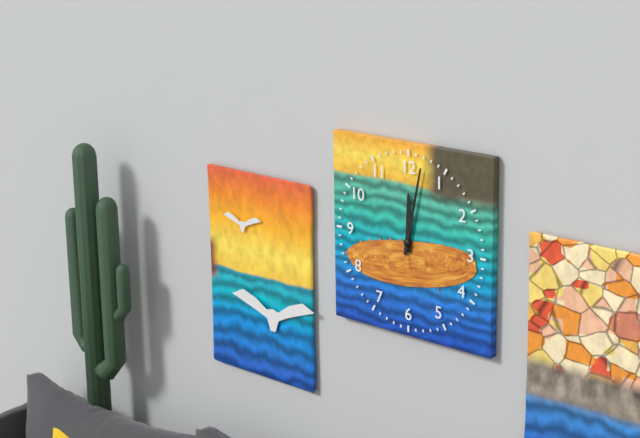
12,02
